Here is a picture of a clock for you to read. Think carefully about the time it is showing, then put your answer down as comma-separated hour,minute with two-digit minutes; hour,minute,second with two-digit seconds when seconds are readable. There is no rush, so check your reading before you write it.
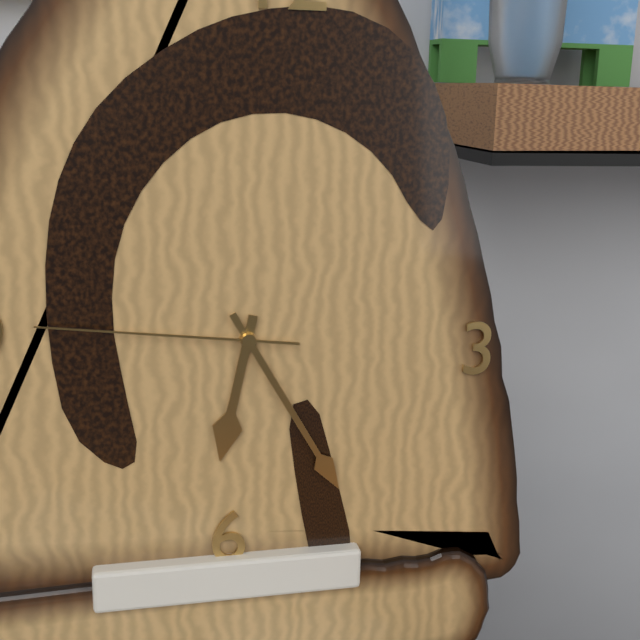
6,25,46
